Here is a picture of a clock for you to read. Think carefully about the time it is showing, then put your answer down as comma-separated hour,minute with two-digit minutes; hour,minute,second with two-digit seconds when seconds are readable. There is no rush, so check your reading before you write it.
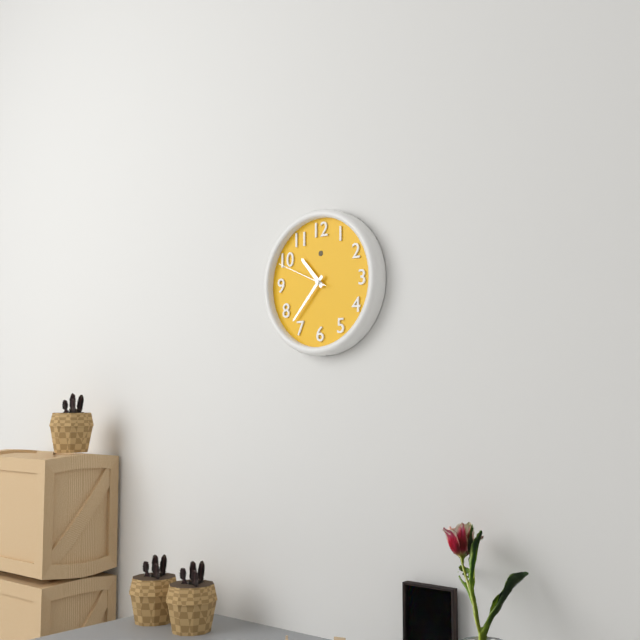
10,37,49
